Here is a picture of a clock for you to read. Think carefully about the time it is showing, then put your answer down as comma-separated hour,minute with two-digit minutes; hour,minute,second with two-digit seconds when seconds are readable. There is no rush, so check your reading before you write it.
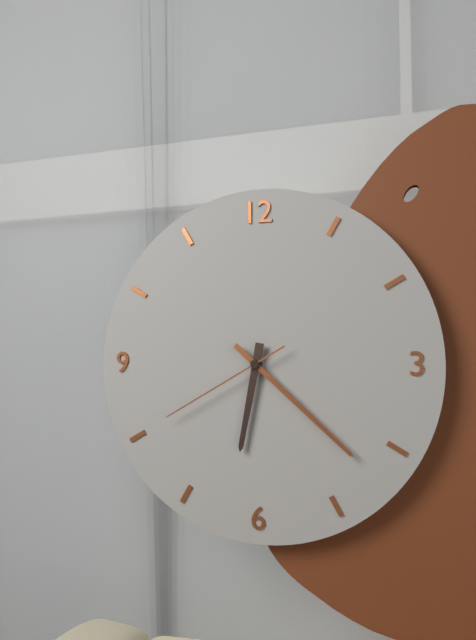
6,22,40
